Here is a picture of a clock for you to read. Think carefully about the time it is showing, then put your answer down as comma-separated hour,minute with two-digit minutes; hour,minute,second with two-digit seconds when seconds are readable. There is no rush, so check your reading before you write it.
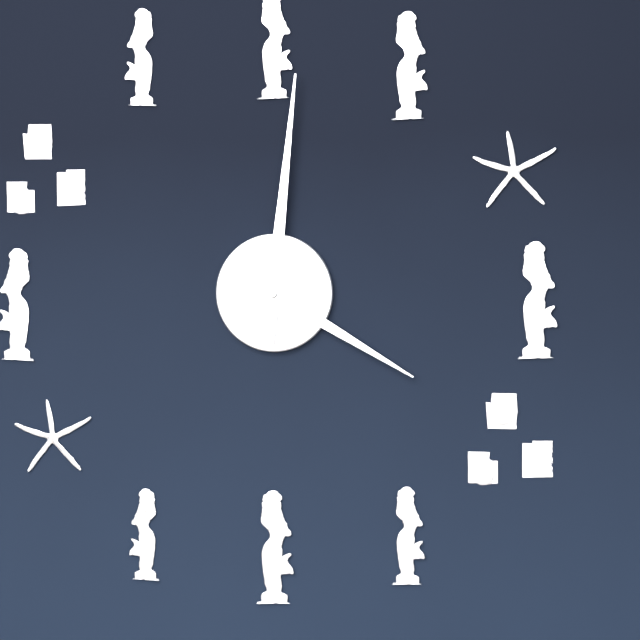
4,01
